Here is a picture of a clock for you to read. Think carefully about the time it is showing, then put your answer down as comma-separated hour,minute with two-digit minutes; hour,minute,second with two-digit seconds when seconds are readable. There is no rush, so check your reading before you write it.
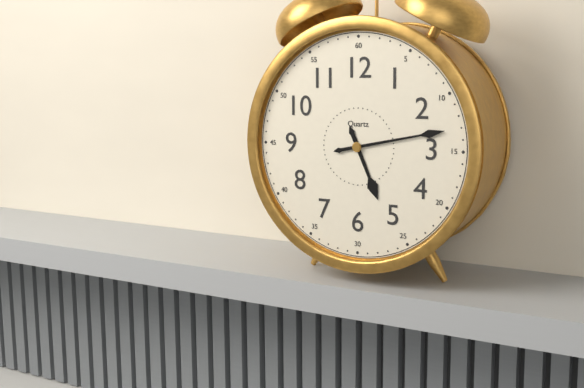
5,13
